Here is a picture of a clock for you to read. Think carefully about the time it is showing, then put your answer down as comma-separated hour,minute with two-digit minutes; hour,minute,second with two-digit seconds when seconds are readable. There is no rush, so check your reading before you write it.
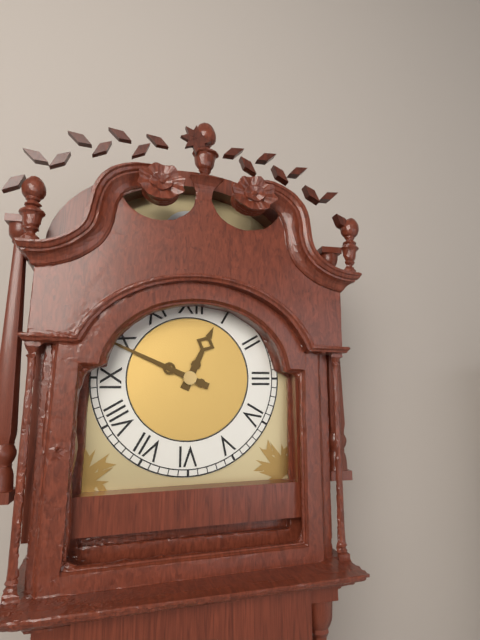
12,49
